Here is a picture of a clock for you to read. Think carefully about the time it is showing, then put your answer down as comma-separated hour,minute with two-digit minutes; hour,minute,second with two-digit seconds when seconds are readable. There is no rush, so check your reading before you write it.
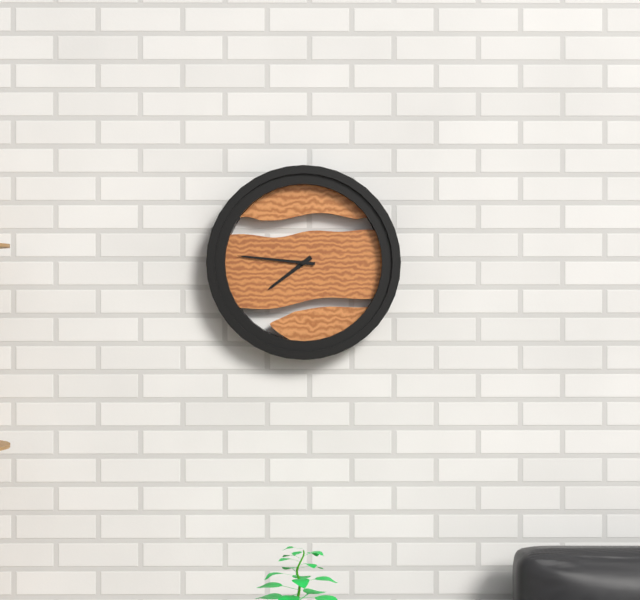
7,46
